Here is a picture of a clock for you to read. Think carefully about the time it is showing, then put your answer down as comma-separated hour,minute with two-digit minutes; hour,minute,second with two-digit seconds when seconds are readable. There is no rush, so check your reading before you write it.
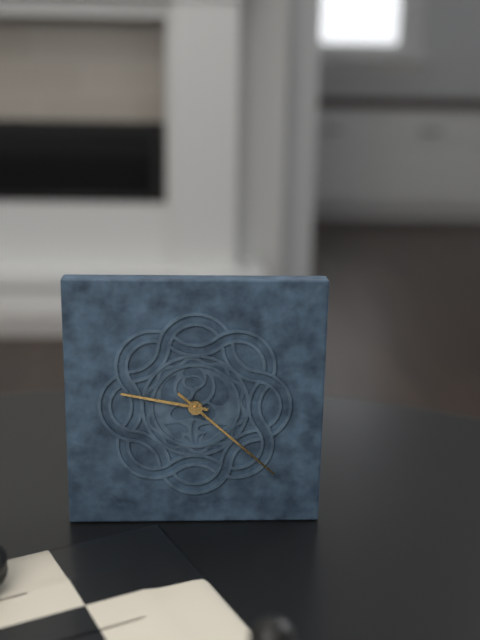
9,22
